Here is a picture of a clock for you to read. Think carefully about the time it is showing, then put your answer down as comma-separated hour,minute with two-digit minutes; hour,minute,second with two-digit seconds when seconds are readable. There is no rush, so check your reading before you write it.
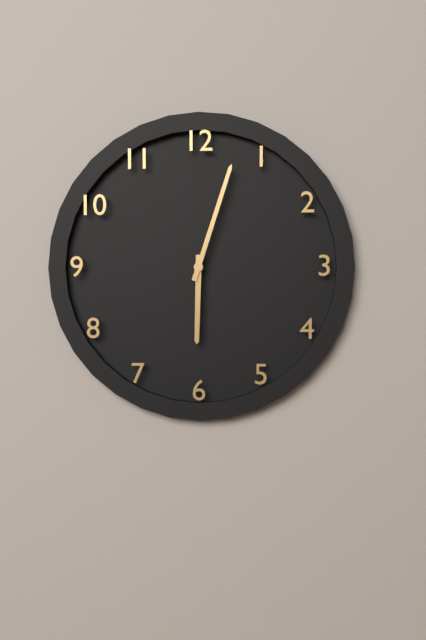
6,03
